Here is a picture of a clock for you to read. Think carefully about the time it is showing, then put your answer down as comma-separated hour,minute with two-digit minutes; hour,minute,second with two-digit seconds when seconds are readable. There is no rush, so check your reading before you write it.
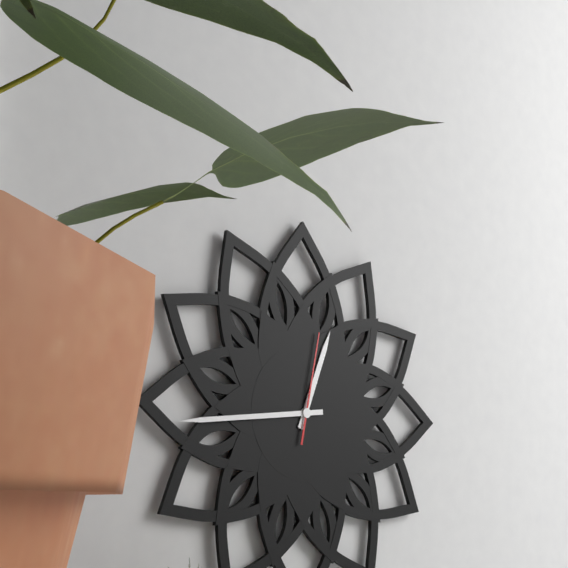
12,44,02
